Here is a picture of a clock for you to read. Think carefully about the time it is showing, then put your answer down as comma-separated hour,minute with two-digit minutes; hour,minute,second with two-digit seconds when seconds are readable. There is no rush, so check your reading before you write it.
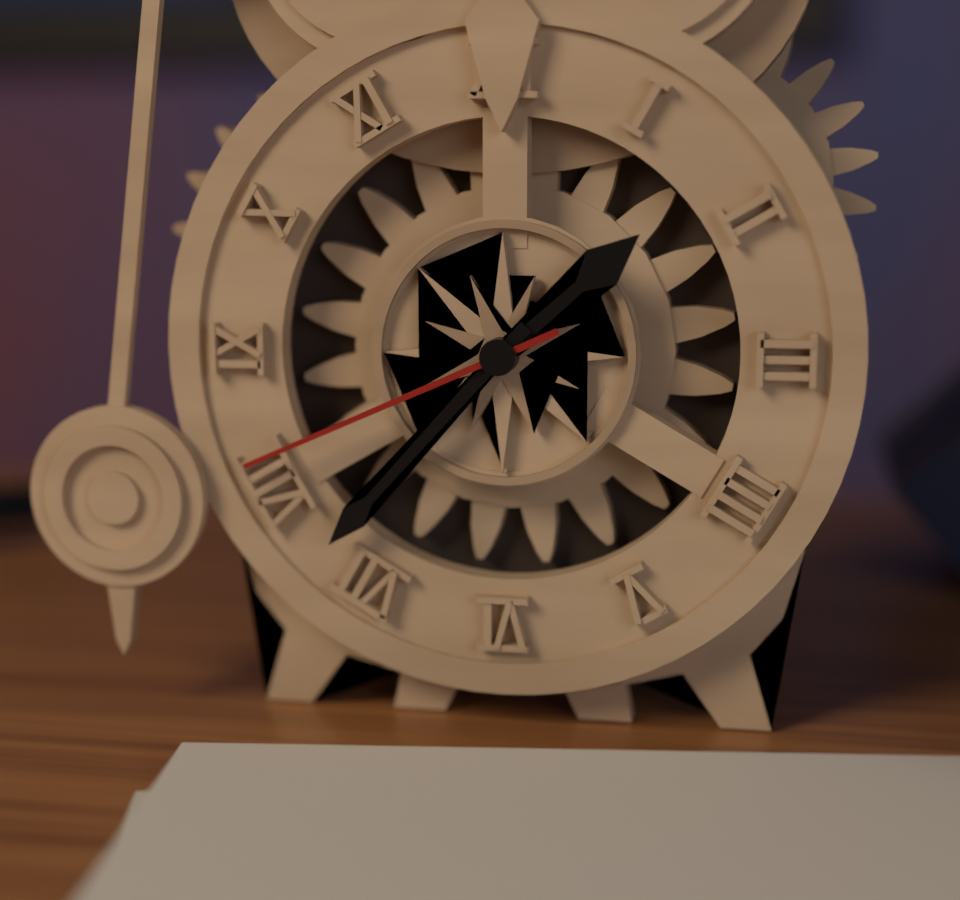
1,37,41
